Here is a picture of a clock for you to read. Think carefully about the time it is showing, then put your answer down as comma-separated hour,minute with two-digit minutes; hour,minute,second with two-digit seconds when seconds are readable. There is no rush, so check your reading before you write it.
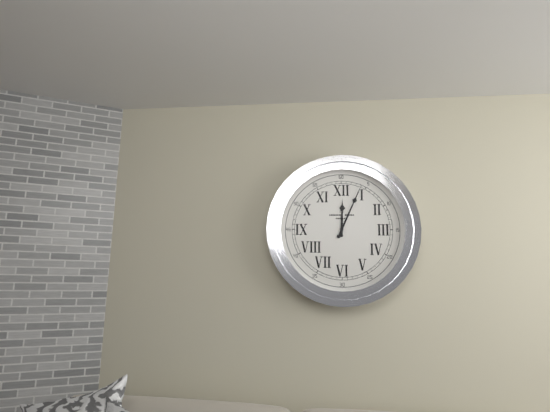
12,04
